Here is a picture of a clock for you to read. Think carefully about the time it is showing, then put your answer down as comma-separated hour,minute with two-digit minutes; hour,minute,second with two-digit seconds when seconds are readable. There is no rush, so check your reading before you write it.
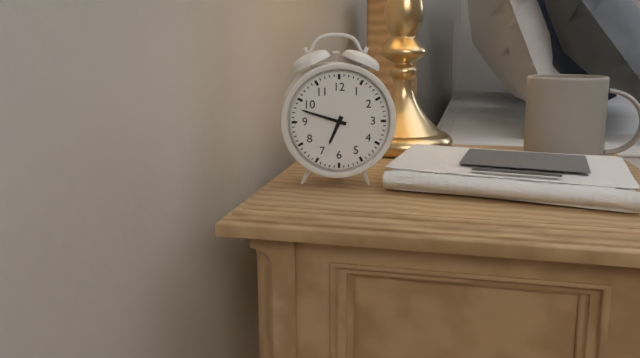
6,48
